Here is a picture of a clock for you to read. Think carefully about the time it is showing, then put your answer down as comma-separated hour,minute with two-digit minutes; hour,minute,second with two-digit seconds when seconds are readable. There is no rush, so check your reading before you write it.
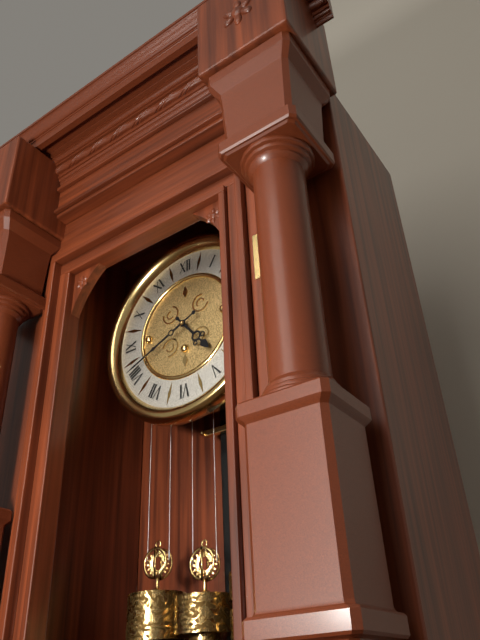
4,41
